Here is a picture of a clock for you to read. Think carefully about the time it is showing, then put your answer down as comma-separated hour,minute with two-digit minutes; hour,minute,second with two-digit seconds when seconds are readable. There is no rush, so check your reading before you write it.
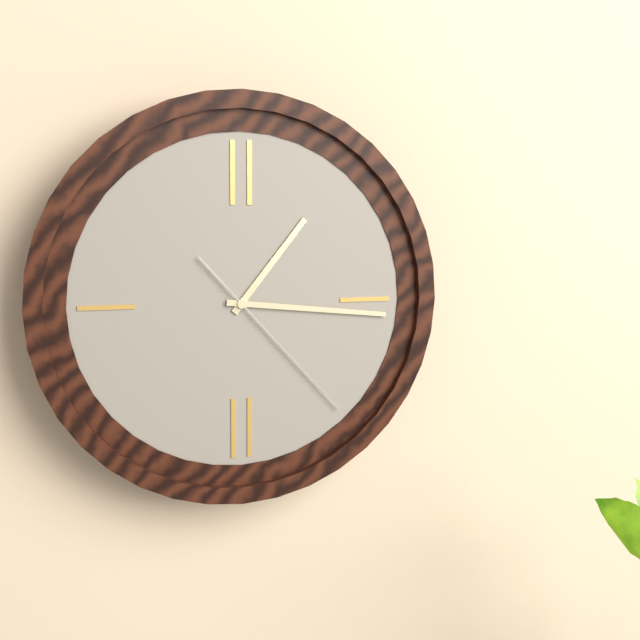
1,16,23
